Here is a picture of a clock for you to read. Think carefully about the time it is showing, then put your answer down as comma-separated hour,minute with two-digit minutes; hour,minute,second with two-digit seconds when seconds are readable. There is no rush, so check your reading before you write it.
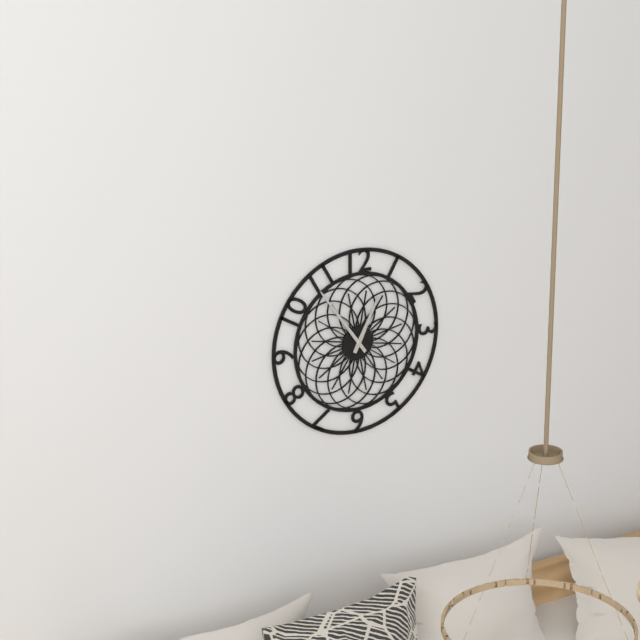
12,54
